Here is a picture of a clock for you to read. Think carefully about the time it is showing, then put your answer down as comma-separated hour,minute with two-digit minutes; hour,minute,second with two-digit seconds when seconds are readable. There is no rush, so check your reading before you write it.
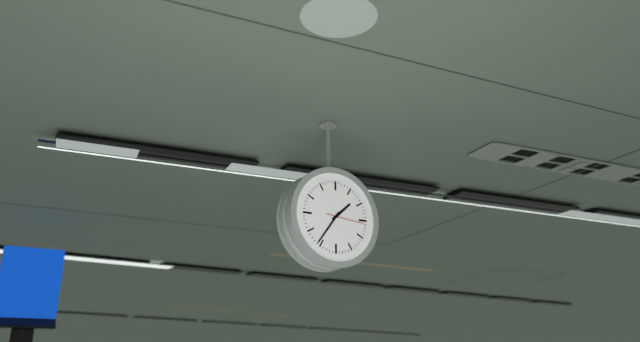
1,36
